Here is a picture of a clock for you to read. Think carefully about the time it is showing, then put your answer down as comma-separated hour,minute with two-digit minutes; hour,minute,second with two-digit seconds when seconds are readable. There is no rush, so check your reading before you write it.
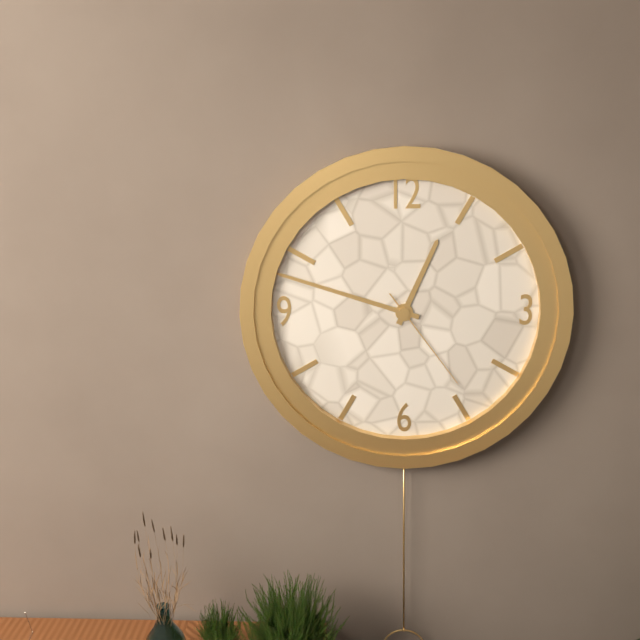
12,48,24
